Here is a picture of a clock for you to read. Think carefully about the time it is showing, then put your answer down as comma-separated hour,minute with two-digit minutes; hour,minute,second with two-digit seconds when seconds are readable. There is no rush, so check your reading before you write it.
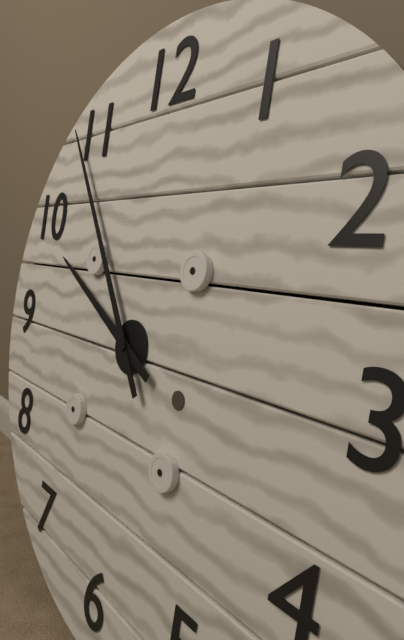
9,54
